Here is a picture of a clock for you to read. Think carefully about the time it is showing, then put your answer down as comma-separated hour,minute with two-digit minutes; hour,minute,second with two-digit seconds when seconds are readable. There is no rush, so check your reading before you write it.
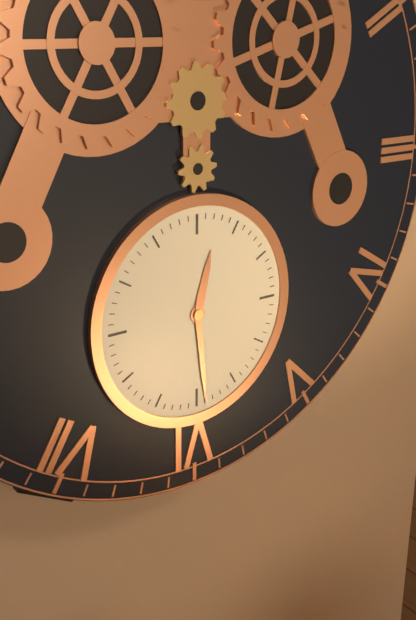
12,29
